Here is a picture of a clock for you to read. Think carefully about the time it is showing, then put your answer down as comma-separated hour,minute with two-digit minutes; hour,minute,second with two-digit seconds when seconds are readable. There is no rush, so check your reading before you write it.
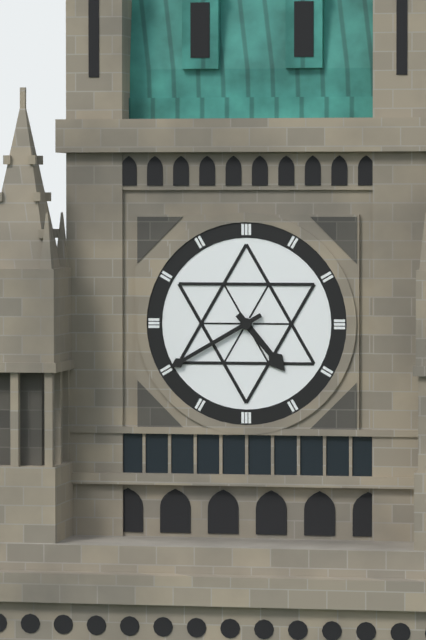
4,40
